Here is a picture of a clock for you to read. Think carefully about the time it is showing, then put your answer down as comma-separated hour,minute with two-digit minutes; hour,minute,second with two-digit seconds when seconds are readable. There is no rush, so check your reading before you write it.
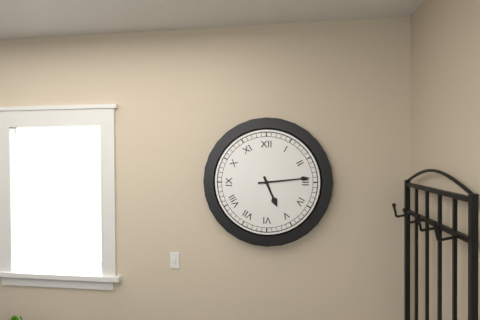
5,14
